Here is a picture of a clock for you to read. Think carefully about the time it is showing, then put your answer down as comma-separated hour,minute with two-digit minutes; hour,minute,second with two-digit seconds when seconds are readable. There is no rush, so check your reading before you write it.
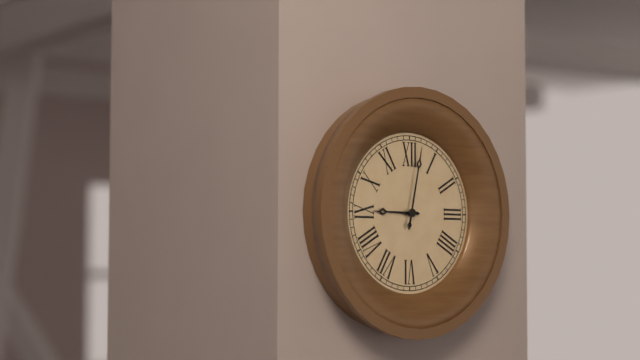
9,02
